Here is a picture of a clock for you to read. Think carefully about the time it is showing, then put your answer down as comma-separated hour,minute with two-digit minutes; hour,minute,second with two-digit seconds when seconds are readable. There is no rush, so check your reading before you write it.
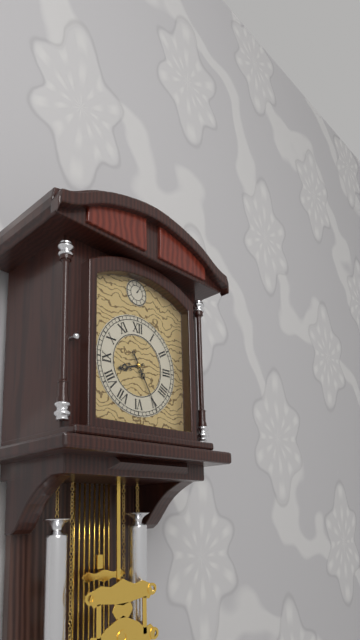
8,25
